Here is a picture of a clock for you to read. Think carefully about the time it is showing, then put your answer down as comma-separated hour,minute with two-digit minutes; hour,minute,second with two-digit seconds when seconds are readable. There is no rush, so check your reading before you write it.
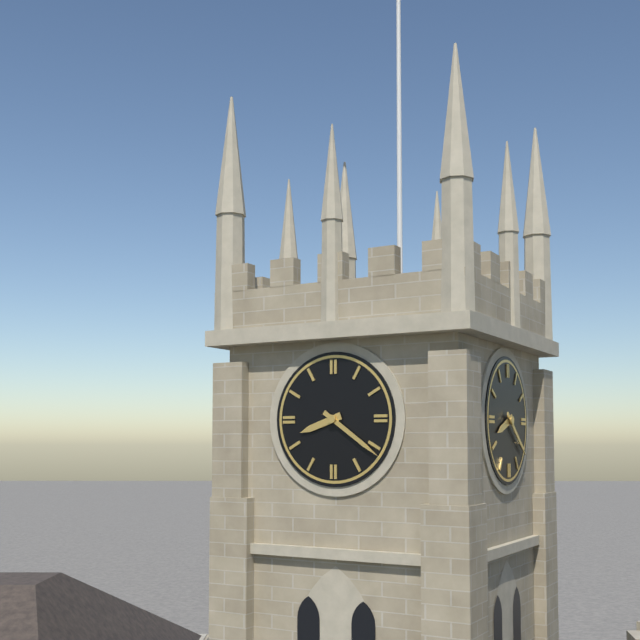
8,21
